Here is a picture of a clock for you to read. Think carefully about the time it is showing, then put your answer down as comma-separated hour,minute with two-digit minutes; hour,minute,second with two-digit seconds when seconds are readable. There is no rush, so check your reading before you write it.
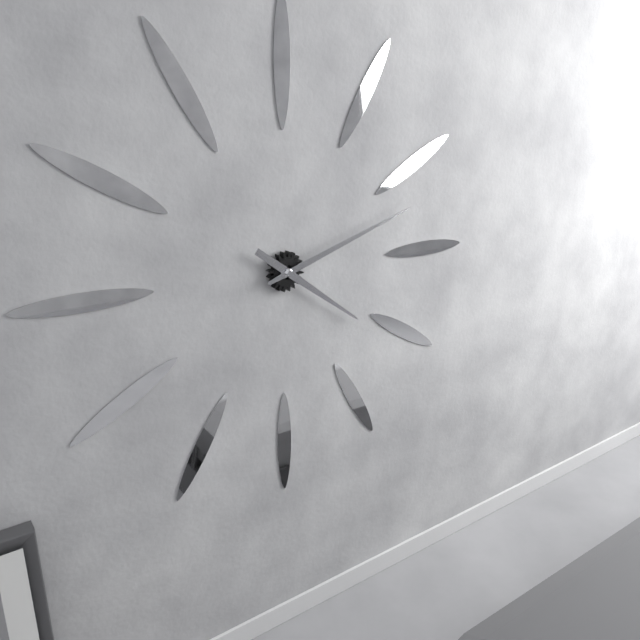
4,12
